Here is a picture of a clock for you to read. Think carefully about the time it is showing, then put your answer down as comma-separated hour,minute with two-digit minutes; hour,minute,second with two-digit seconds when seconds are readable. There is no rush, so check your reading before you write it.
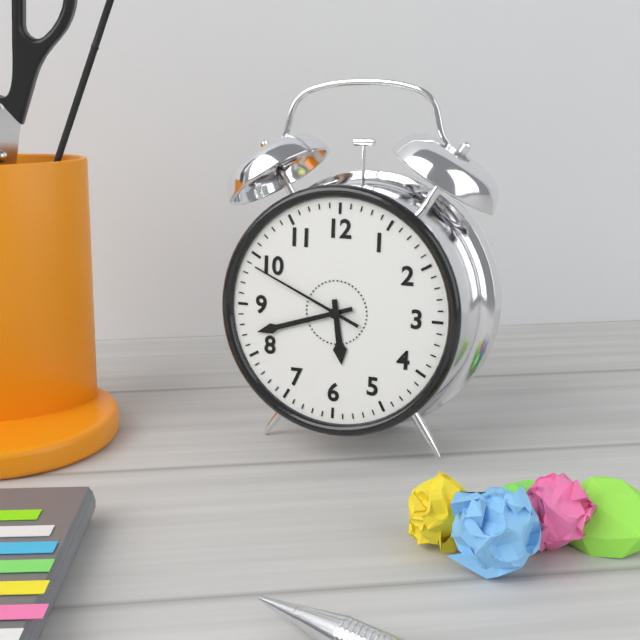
5,42,49
